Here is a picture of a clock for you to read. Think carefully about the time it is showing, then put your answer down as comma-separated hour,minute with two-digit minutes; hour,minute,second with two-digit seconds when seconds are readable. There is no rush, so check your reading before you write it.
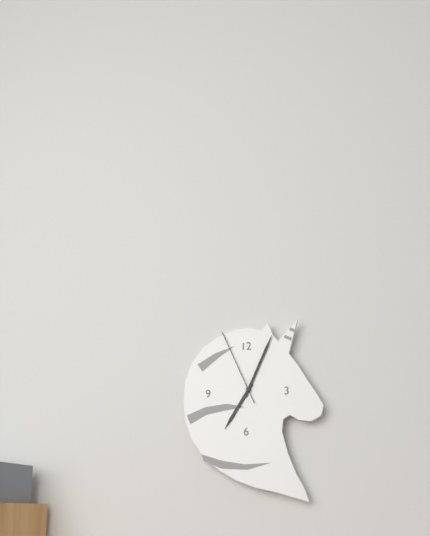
7,04,56
